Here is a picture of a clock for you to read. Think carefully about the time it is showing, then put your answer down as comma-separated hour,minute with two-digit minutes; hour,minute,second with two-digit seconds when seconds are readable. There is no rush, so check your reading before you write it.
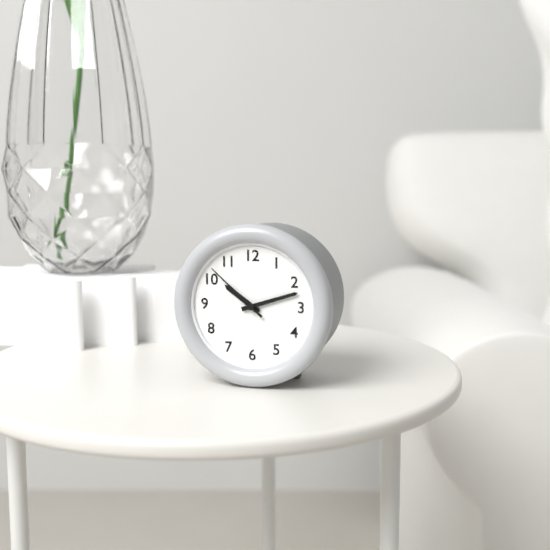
10,12,52
